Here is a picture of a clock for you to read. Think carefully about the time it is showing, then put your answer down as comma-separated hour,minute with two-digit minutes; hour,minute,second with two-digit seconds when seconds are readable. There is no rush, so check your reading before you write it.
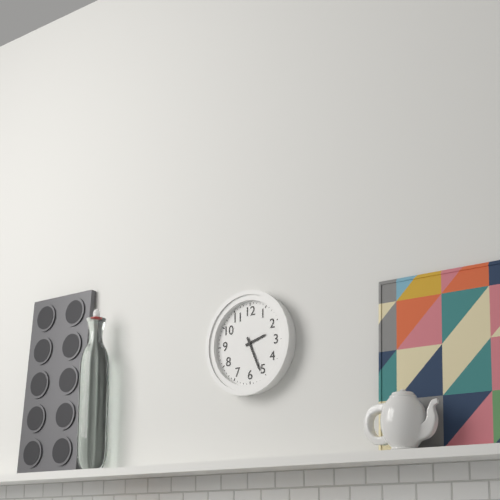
2,26
